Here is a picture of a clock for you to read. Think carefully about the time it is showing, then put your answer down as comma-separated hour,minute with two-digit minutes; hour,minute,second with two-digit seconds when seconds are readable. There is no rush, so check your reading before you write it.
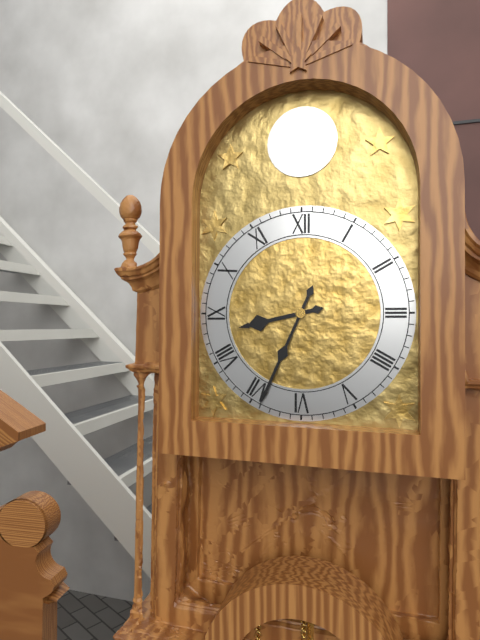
8,34
